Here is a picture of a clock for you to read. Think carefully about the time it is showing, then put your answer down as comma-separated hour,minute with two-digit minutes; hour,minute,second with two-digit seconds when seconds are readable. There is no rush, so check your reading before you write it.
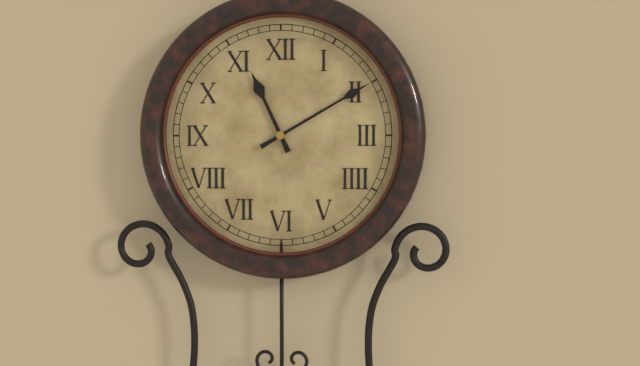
11,10
